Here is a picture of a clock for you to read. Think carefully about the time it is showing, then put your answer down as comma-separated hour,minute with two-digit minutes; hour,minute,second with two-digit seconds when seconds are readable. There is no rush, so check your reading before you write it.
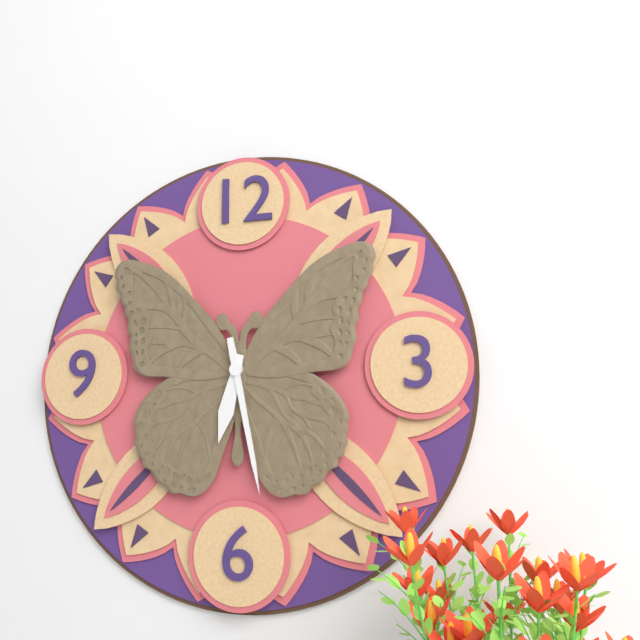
6,28
